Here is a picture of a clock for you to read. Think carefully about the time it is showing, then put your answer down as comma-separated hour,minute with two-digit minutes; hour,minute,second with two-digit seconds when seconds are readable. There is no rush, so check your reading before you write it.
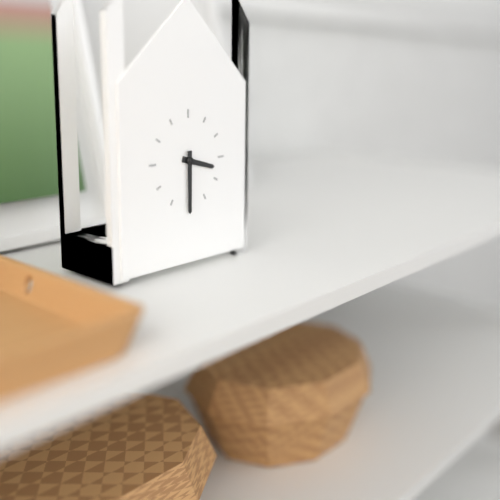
3,30
